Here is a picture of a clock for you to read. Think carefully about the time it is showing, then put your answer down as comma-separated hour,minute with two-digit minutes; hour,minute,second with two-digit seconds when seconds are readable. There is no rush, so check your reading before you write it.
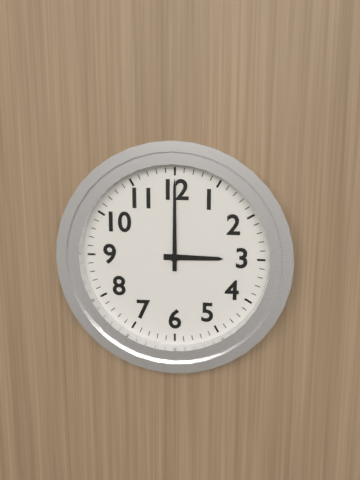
3,00
